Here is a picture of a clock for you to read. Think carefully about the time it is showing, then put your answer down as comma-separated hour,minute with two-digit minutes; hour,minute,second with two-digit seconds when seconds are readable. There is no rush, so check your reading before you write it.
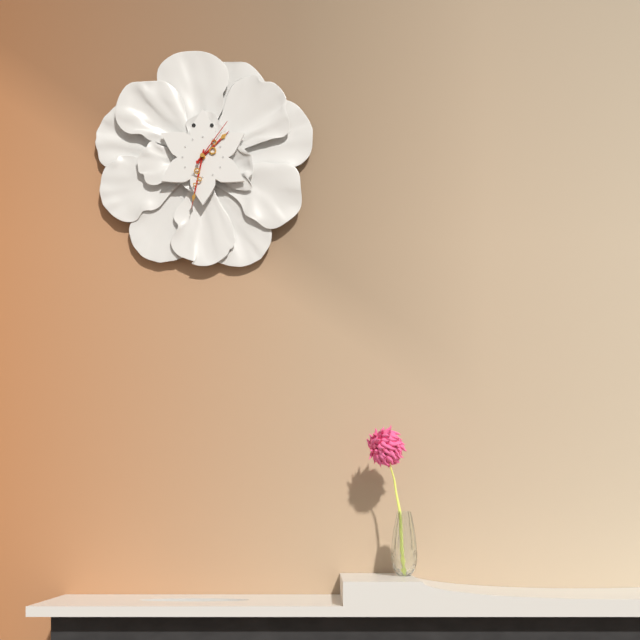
1,32,06
